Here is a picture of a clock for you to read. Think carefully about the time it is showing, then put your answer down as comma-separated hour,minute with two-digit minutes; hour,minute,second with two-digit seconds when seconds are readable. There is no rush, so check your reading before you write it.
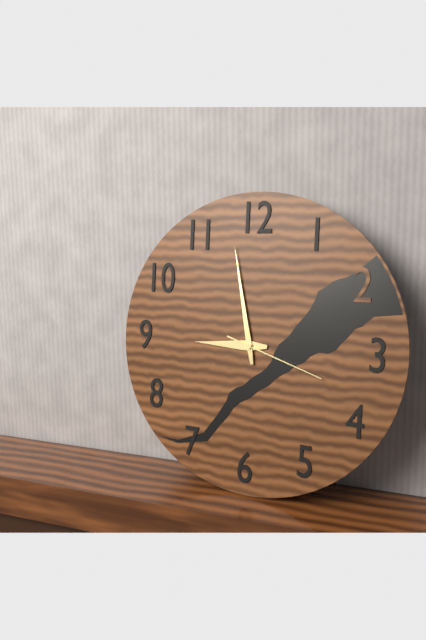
8,58,18
